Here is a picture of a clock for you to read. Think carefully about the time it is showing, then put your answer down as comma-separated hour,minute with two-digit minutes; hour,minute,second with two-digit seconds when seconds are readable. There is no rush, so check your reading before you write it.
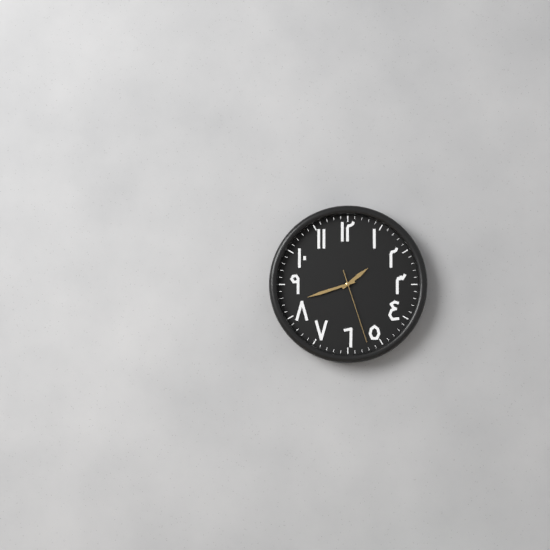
1,42,27
